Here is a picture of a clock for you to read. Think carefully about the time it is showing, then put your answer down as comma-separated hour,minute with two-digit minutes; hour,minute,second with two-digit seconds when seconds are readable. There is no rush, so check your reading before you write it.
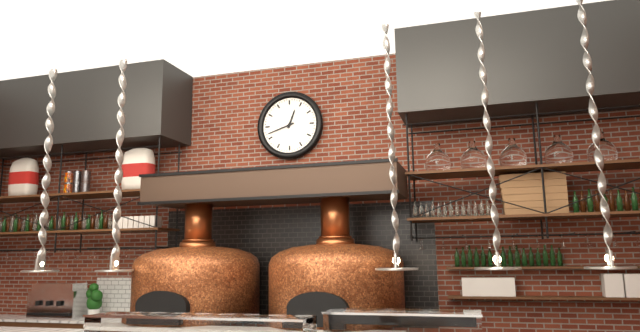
12,42
